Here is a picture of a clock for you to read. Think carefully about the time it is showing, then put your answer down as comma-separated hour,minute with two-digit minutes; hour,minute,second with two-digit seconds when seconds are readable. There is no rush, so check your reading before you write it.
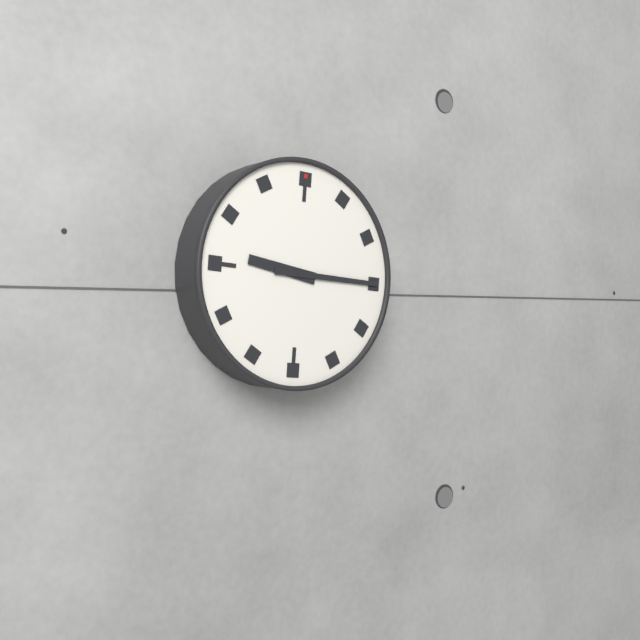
9,15
